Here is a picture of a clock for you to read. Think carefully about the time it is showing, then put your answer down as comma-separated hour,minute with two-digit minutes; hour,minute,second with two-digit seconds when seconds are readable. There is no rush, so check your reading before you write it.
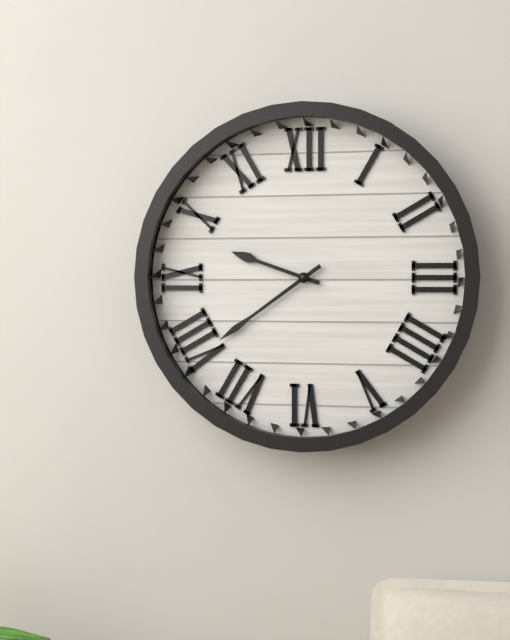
9,39
